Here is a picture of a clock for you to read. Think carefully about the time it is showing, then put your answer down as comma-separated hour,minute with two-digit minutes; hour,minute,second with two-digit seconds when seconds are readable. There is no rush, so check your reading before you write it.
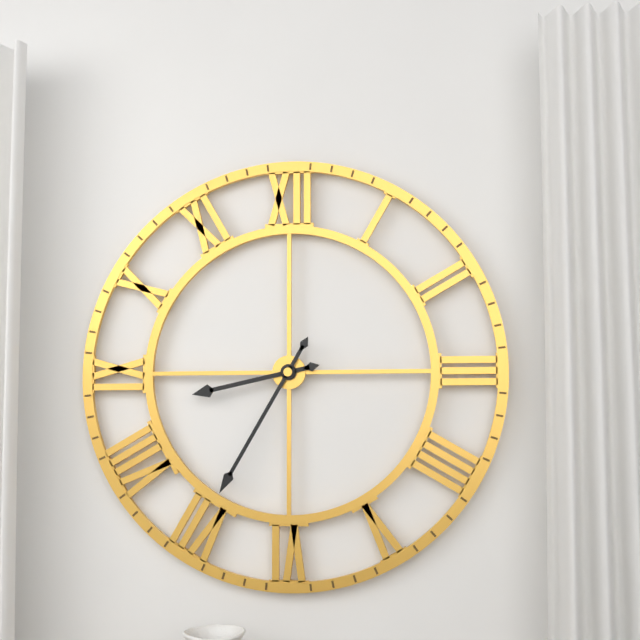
8,35
